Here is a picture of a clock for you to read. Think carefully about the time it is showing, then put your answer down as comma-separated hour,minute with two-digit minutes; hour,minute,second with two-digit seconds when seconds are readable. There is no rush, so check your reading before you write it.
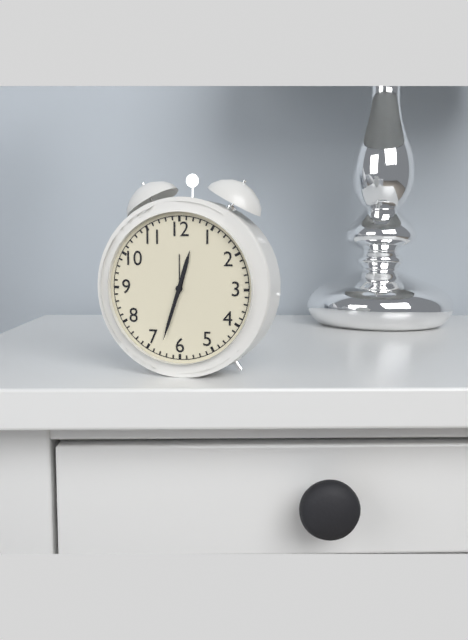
12,33
